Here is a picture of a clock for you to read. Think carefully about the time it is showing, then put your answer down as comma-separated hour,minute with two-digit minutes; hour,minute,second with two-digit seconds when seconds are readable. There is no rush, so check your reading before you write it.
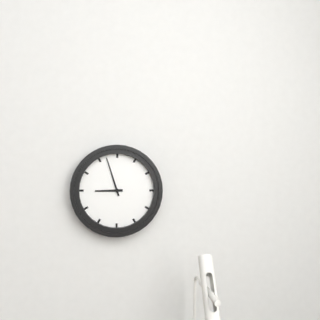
8,57
